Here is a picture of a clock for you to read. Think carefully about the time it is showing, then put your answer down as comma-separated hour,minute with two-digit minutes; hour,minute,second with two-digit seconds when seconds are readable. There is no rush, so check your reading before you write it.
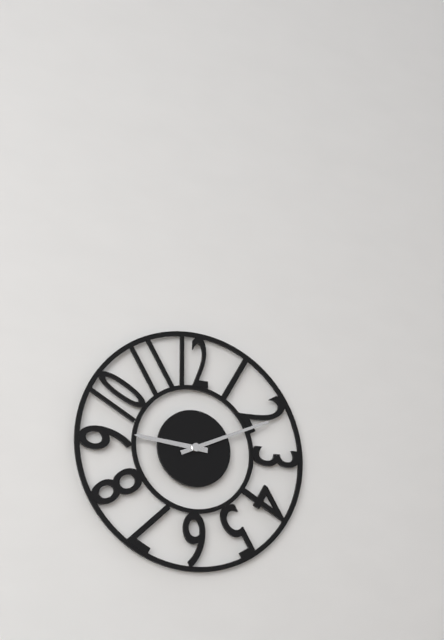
9,11
